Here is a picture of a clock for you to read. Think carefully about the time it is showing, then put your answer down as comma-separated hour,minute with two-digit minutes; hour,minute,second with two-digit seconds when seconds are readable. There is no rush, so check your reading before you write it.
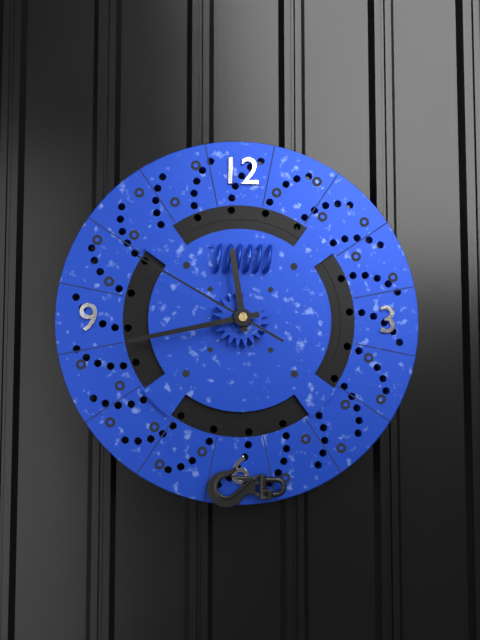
11,43,50
